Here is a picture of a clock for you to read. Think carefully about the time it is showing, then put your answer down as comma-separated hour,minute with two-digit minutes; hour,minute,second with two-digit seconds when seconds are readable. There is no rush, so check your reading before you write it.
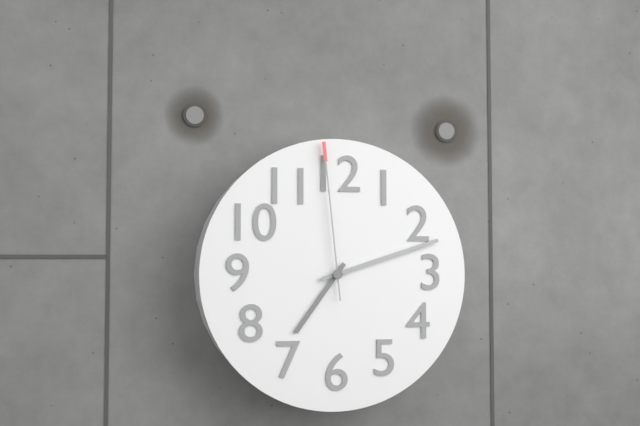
7,12,59
